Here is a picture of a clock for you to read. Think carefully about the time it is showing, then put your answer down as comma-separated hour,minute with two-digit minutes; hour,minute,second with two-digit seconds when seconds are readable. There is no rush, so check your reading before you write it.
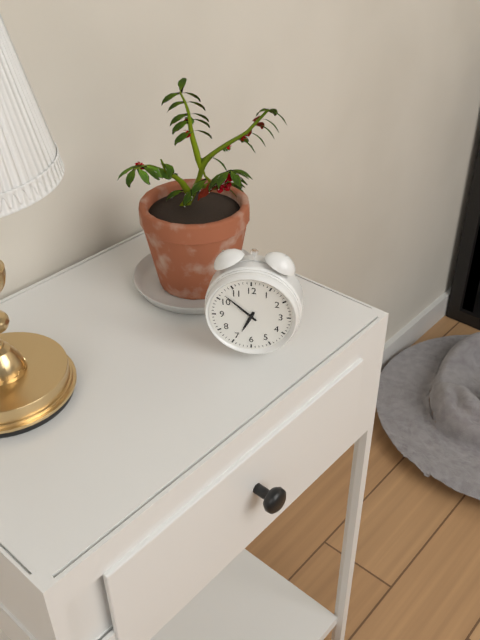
6,52
